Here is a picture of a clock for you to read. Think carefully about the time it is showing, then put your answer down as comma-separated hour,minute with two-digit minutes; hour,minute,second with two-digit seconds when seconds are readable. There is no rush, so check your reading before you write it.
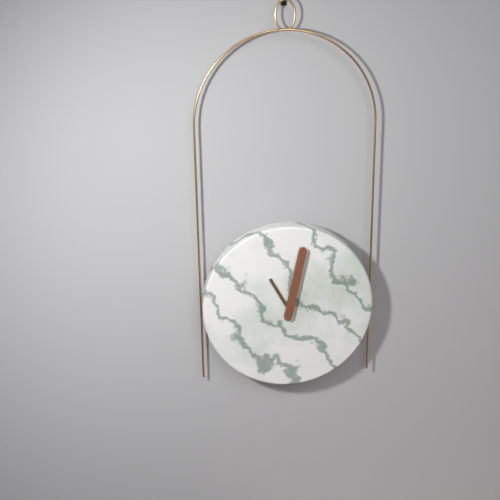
11,02
